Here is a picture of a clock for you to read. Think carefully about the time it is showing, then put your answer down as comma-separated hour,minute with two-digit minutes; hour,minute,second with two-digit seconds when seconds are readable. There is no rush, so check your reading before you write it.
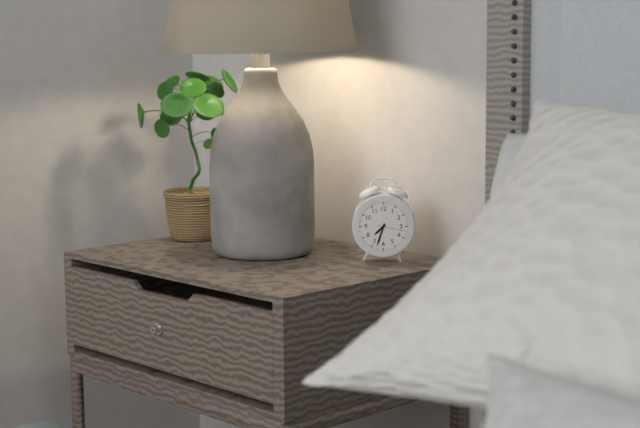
7,33
